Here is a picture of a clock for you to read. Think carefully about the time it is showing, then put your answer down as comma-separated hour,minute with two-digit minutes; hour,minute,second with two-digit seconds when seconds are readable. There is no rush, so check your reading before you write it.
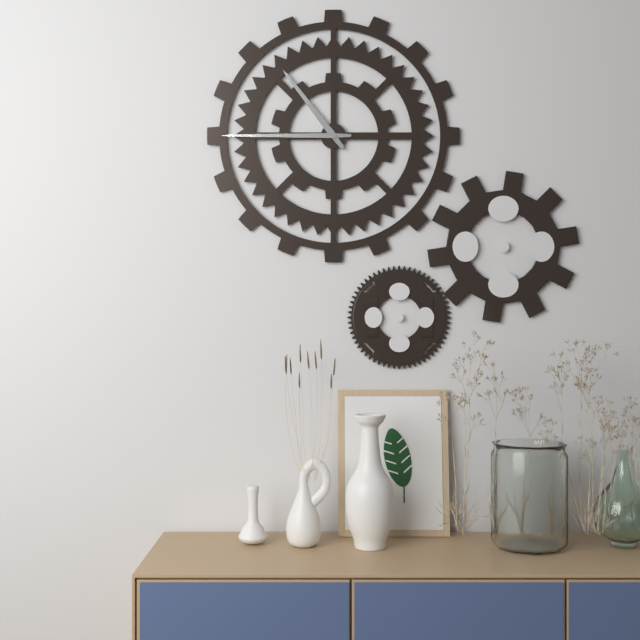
10,45
